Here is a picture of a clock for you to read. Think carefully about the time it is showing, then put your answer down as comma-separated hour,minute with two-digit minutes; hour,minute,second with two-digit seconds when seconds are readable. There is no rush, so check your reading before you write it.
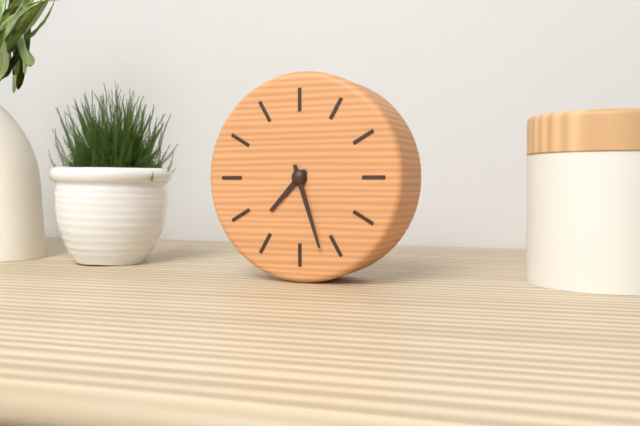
7,27
